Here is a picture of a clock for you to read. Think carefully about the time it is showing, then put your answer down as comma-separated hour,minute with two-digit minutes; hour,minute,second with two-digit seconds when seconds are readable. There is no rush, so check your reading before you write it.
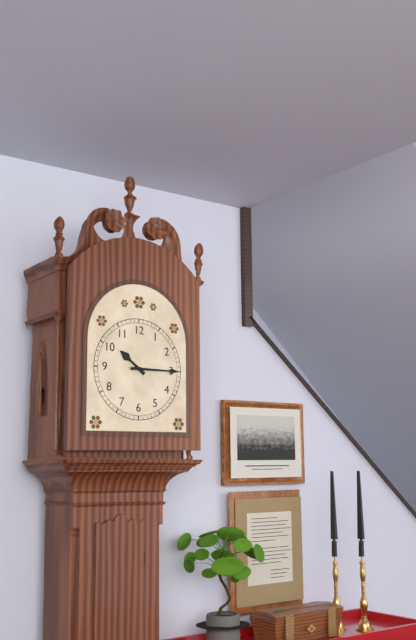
10,15
